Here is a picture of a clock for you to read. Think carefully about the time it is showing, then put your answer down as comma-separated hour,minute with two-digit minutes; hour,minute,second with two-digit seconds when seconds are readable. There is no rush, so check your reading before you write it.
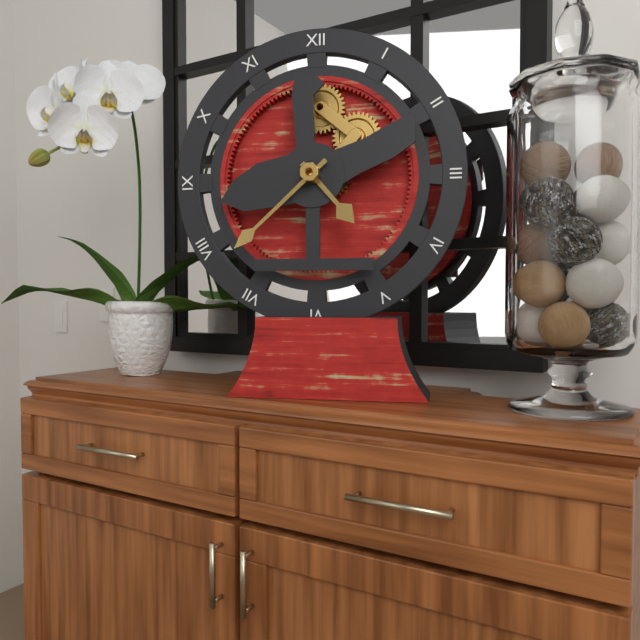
4,38
